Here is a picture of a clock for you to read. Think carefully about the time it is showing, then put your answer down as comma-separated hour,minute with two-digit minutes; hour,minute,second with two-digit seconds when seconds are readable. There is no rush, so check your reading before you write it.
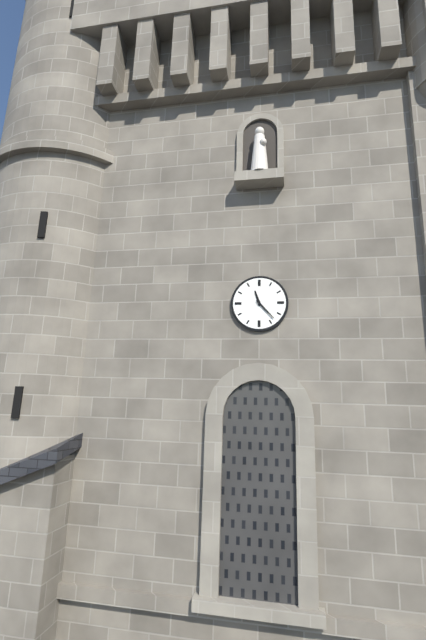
11,23
